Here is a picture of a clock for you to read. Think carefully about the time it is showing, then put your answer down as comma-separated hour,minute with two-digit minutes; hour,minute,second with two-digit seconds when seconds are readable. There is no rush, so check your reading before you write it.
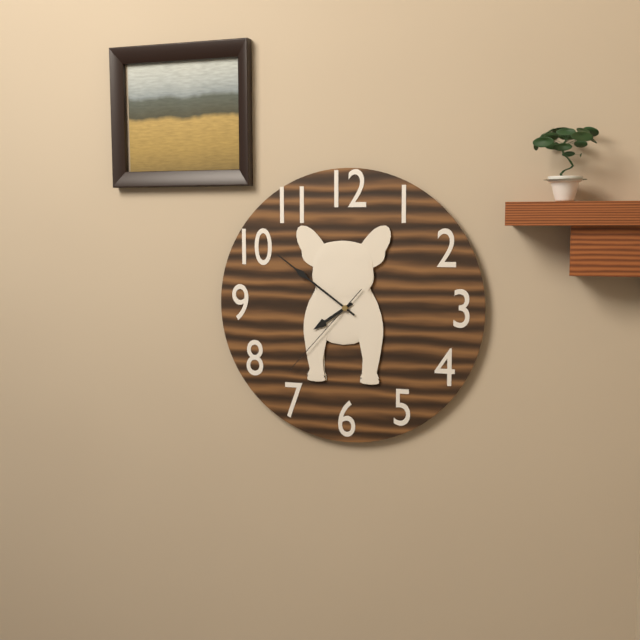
7,51,37
